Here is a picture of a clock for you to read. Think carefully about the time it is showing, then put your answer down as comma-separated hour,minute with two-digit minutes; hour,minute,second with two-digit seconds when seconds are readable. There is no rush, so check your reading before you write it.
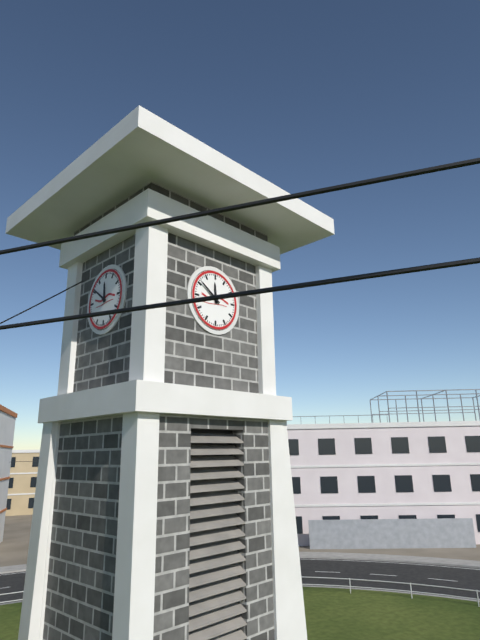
11,51
